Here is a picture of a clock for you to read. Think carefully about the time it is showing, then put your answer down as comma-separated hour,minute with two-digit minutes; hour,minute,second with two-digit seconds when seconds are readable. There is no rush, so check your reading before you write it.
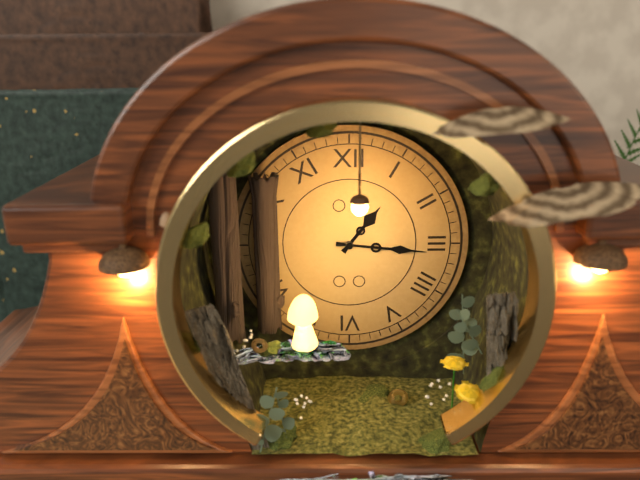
1,16
